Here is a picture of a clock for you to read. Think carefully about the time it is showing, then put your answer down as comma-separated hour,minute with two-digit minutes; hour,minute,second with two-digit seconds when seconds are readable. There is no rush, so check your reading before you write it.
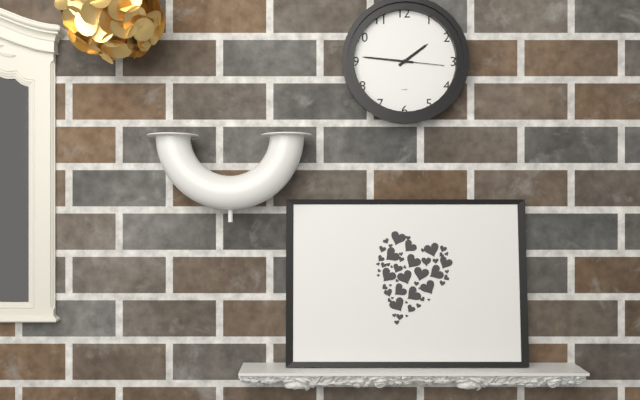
1,46,16
